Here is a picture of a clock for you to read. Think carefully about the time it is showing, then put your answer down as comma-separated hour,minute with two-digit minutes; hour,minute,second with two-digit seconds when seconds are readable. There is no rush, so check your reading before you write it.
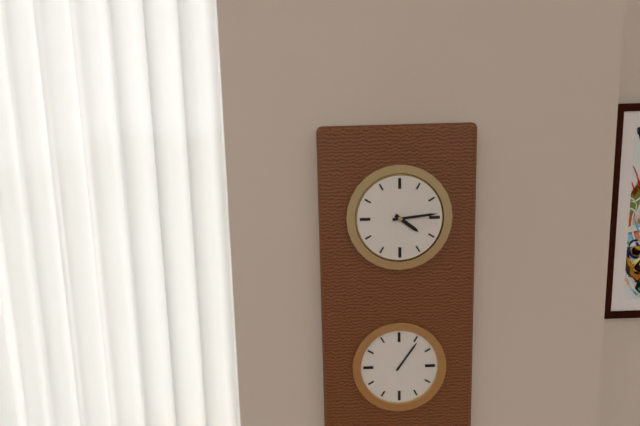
4,14
